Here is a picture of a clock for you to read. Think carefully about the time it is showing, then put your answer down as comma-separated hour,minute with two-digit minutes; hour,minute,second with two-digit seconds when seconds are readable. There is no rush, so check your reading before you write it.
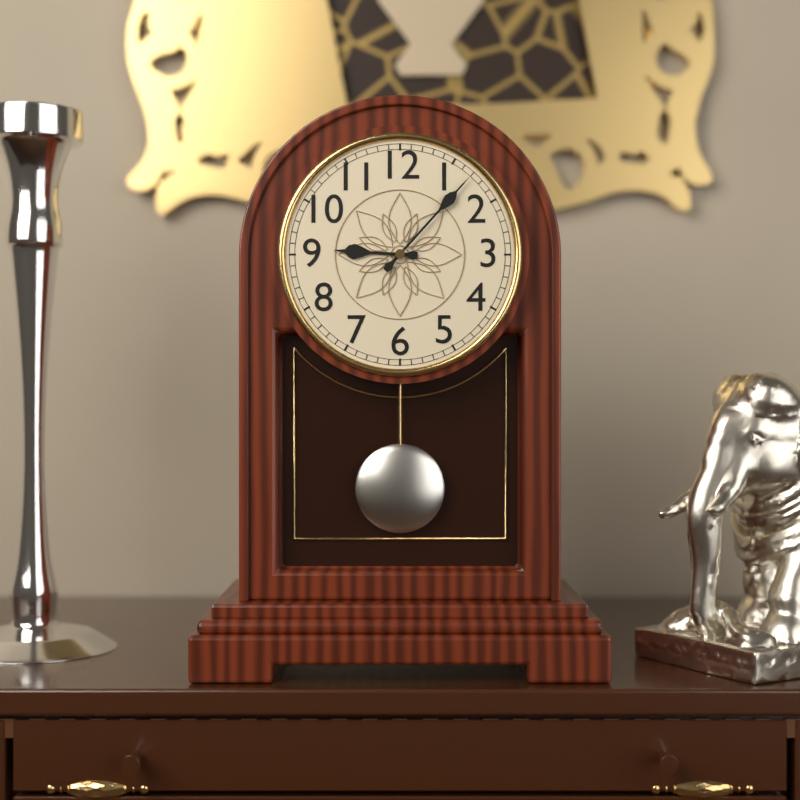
9,07
